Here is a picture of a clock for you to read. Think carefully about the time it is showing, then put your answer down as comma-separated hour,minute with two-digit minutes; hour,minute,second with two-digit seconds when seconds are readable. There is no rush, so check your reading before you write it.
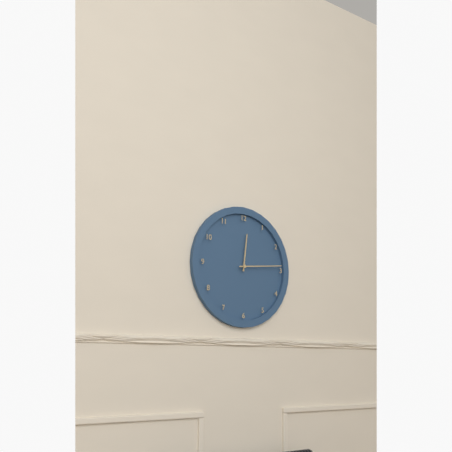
12,14
